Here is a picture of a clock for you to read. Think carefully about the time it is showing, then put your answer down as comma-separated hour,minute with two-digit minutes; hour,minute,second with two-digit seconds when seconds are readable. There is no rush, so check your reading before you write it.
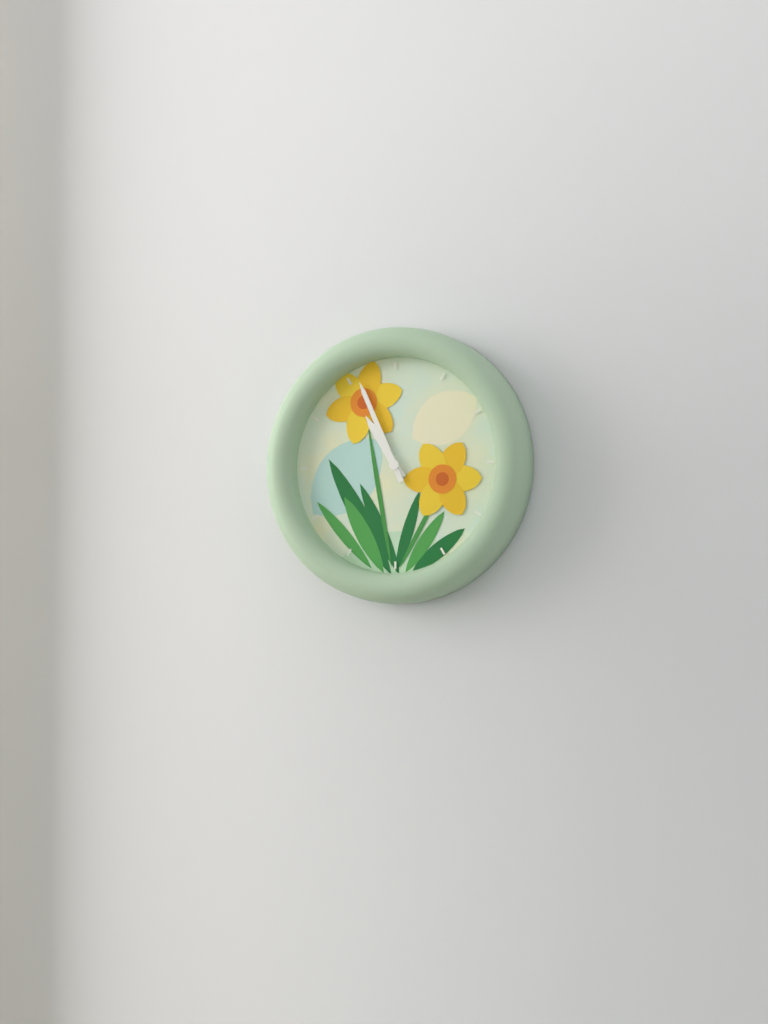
10,56
